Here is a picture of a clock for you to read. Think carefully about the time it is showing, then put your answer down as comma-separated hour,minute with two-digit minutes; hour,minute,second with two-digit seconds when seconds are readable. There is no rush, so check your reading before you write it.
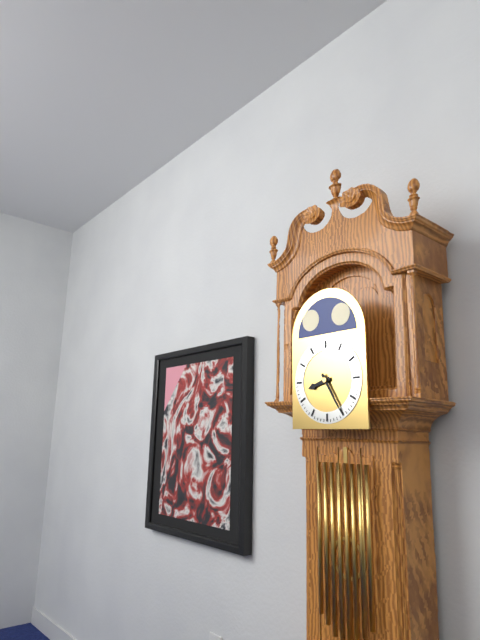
8,25
